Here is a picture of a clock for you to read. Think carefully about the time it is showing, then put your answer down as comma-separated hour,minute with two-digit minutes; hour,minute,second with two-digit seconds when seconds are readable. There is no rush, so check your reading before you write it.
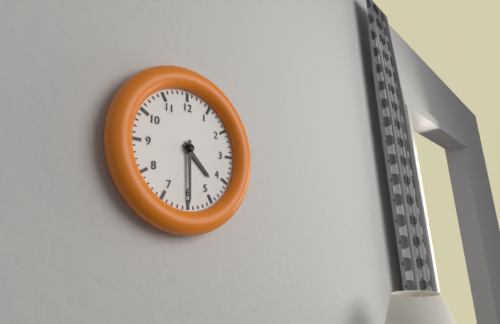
4,30
